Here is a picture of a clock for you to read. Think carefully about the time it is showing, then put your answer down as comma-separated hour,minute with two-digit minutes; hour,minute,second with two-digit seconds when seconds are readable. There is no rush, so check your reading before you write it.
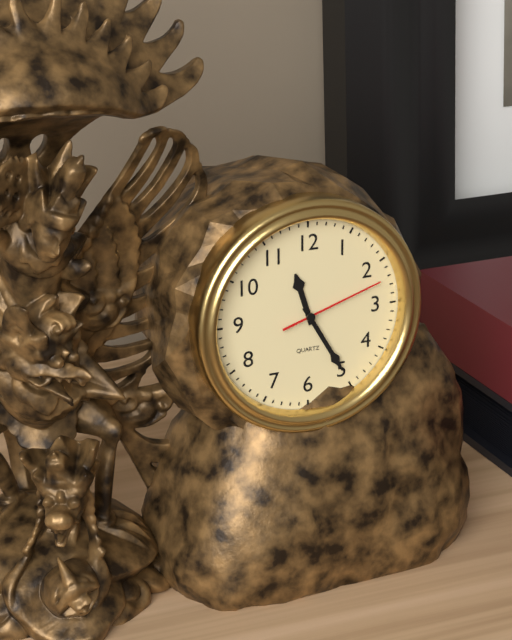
11,25,12
